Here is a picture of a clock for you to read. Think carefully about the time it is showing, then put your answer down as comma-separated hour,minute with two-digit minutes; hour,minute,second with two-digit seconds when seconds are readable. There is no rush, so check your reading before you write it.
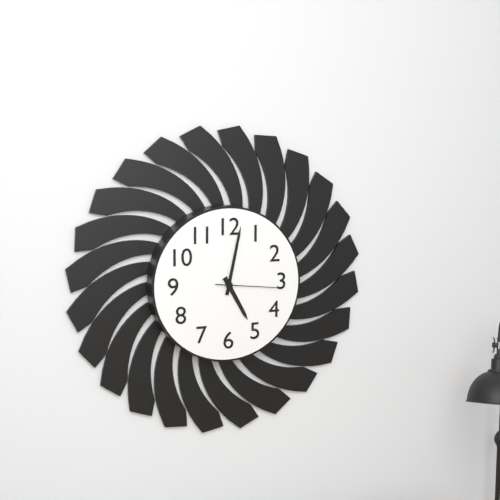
5,02,16
